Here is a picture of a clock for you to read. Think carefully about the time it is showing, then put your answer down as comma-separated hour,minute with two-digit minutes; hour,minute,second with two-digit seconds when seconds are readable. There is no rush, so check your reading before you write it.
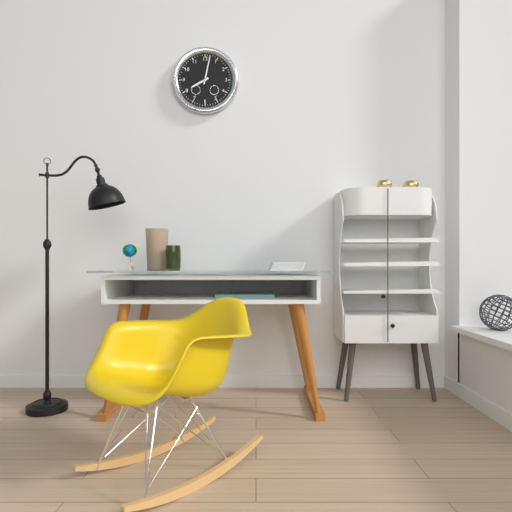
8,02
